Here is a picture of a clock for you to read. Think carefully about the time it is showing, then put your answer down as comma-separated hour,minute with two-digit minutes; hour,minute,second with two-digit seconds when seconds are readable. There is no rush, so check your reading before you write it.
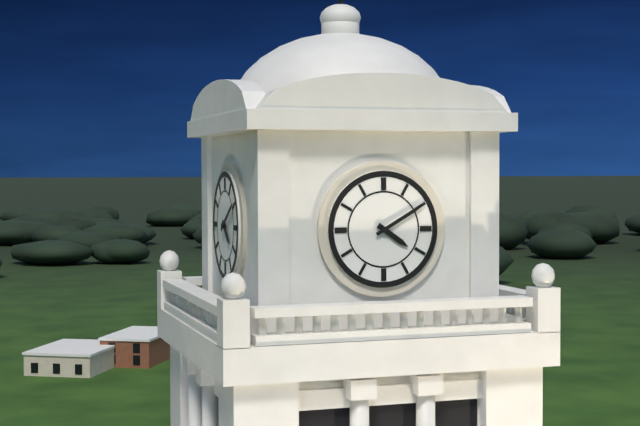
4,10
